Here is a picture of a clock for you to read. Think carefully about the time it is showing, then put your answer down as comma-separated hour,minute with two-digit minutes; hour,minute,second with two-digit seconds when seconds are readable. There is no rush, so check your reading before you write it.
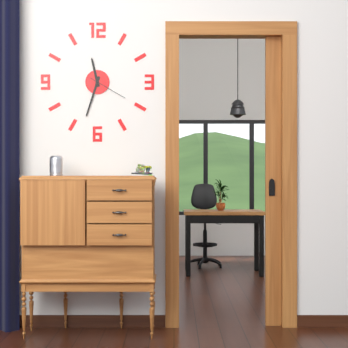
11,33
